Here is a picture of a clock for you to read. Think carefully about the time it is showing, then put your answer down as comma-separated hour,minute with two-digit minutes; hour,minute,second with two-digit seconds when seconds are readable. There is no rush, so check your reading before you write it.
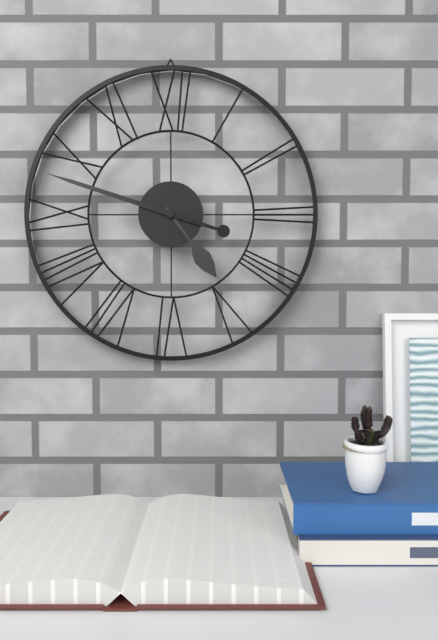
4,48
